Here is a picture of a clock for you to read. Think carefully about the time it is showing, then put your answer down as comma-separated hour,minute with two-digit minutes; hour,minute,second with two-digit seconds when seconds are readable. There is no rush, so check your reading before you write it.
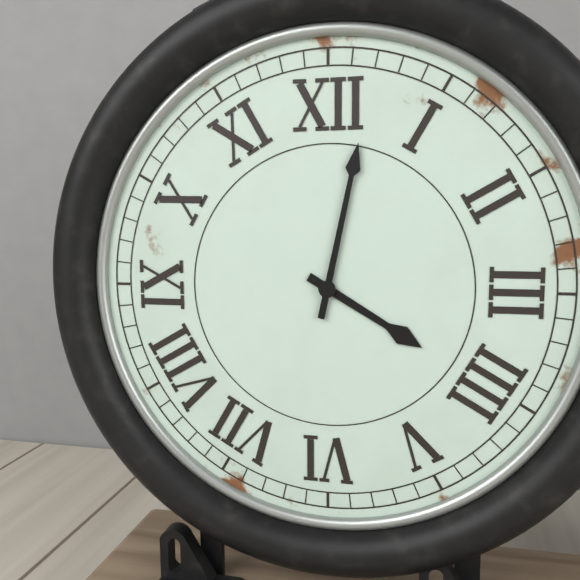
4,02
